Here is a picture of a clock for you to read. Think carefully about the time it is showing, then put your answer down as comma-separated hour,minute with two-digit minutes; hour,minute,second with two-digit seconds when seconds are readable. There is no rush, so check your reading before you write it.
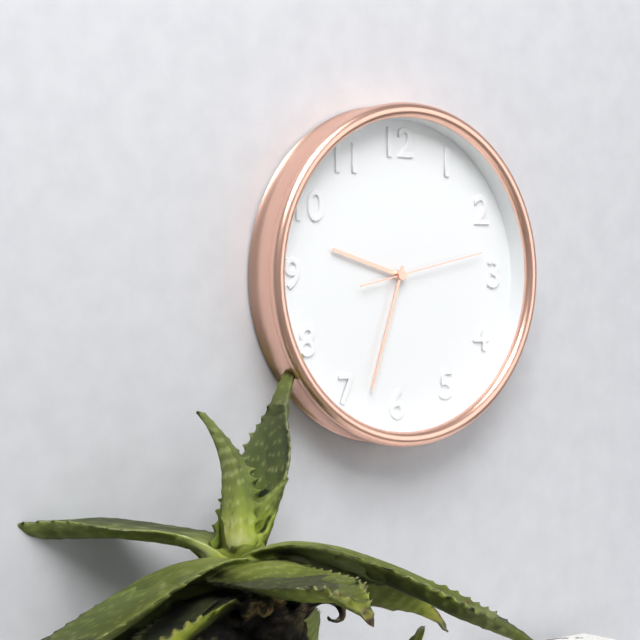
9,33,13
